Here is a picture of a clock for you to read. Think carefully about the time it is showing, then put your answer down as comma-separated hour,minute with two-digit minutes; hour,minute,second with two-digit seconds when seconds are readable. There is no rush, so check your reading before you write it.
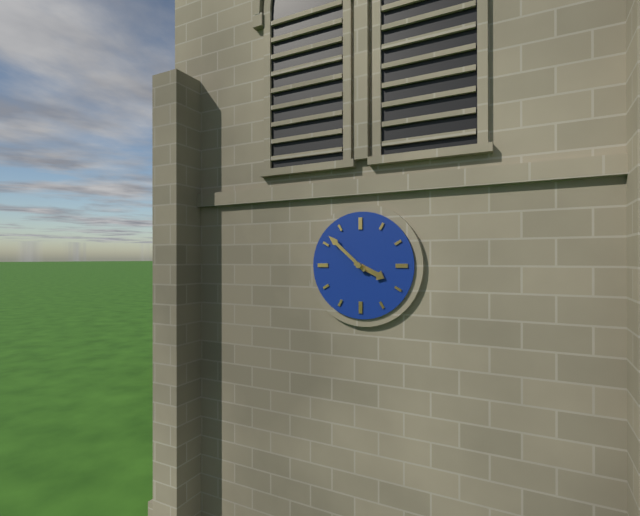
3,52
